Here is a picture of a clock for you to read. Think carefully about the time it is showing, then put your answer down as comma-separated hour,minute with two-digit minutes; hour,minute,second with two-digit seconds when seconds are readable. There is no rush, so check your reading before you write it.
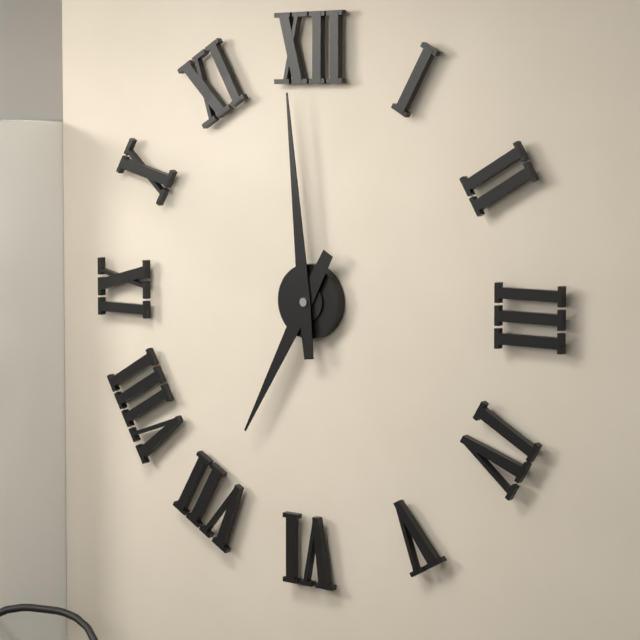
6,59
